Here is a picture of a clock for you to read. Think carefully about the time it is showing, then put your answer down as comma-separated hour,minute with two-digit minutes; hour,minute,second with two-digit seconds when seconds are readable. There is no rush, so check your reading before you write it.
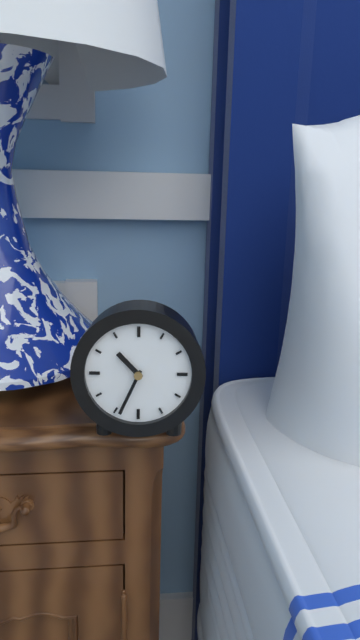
10,34
